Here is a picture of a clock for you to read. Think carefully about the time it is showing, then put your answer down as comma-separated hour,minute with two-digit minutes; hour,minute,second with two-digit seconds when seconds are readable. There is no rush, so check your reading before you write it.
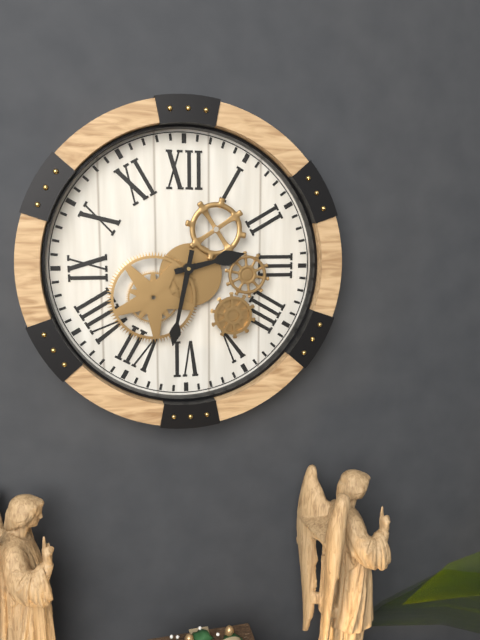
2,32
